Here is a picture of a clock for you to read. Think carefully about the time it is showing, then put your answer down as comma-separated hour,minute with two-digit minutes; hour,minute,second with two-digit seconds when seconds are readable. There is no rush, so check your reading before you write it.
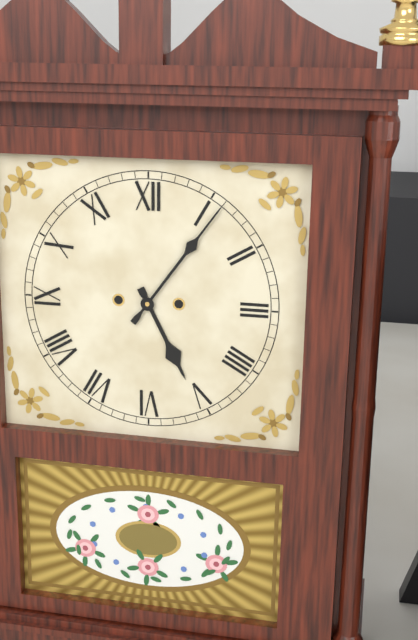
5,06
